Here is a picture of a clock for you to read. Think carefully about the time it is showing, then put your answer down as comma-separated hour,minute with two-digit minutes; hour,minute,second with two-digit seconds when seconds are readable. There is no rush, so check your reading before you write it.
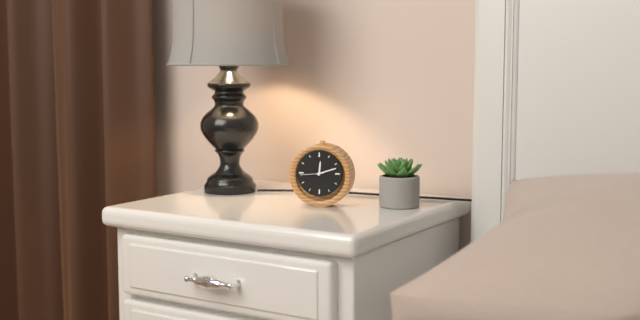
12,12
